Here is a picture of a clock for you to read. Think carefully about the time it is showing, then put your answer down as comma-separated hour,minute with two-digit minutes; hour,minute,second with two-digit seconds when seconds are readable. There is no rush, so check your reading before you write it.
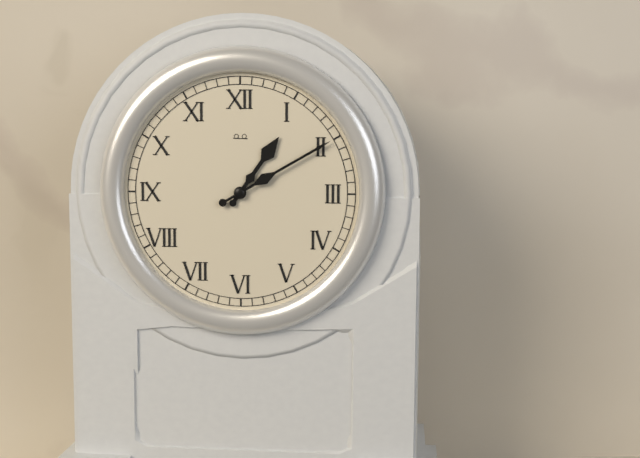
1,10
